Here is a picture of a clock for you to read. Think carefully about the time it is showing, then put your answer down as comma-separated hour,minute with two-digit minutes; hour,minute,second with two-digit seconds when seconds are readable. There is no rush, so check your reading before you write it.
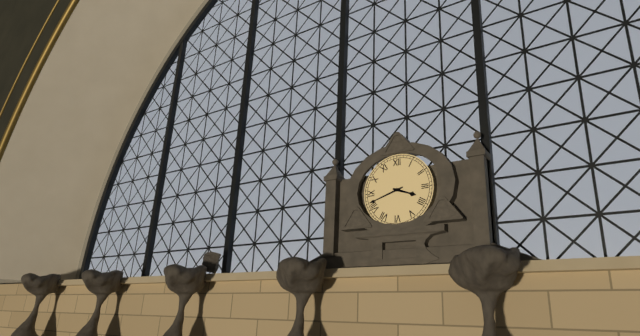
3,42
